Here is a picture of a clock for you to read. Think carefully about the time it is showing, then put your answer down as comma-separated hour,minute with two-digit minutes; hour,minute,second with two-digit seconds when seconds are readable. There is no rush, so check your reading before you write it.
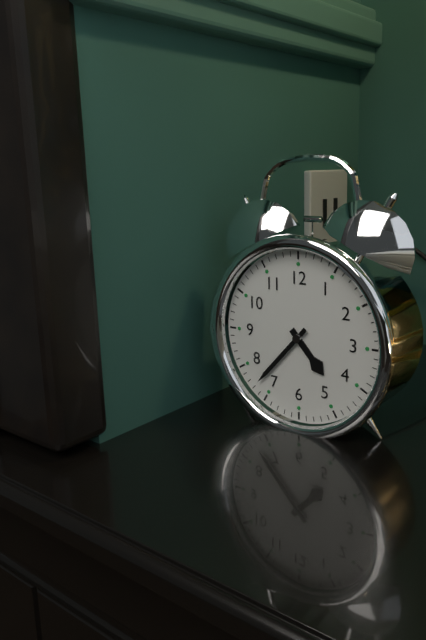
4,37
